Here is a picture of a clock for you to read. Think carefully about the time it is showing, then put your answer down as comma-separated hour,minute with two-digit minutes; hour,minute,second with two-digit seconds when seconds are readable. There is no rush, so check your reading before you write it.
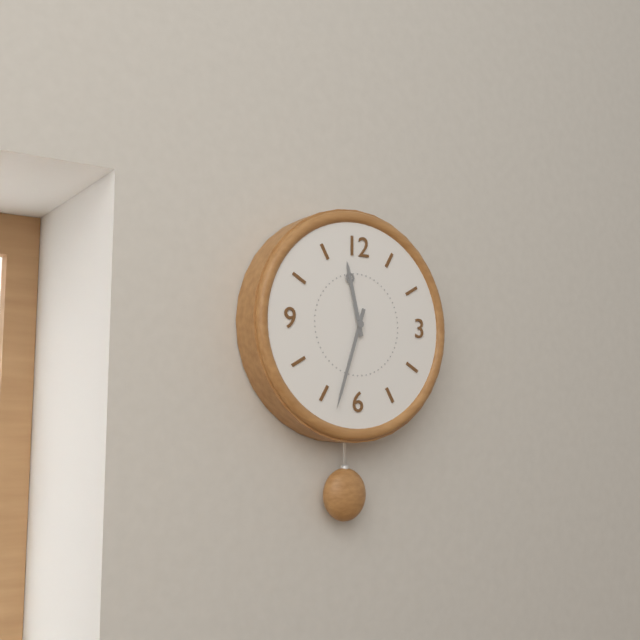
11,33
